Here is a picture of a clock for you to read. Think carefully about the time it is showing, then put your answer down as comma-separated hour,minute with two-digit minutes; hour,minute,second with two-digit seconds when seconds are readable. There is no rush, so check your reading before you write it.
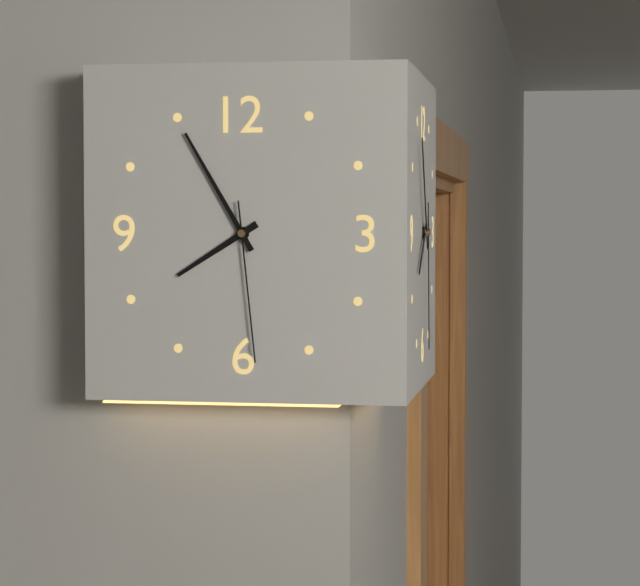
7,55,29
